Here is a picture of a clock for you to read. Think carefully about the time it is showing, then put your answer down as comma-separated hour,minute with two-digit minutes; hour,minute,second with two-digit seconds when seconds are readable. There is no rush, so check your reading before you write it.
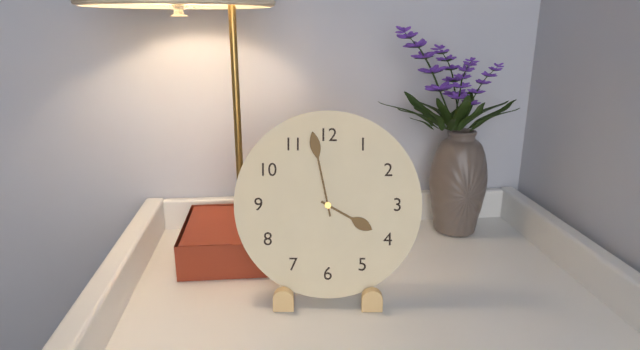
3,58
